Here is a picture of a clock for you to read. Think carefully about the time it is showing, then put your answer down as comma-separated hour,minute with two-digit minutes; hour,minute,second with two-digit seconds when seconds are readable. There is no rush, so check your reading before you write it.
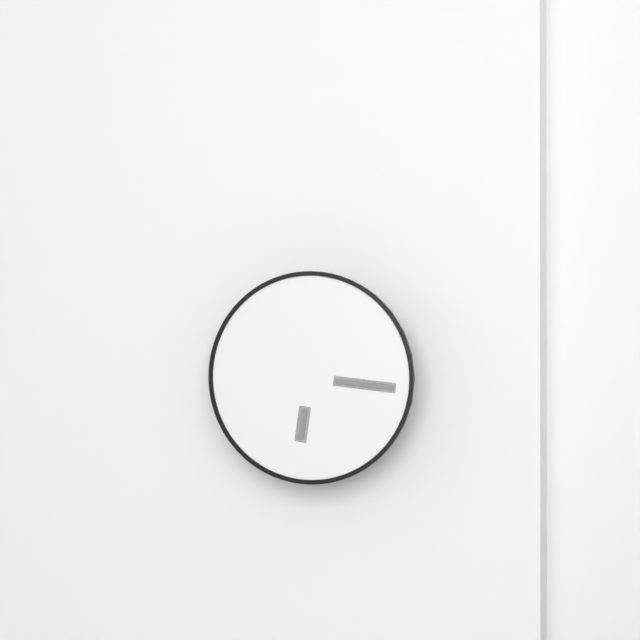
6,16
